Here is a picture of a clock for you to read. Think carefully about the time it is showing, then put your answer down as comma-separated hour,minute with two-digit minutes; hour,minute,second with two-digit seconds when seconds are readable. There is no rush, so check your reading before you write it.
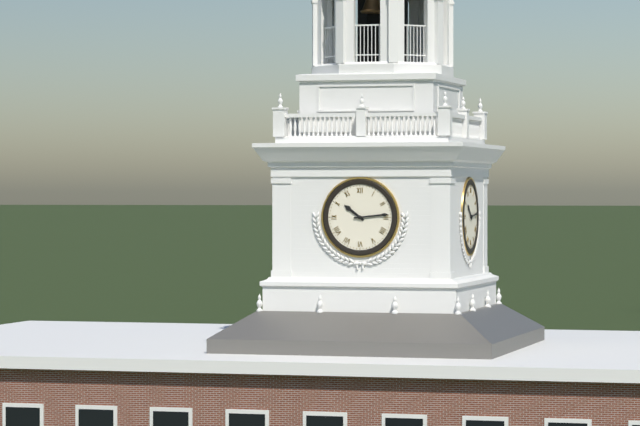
10,14
